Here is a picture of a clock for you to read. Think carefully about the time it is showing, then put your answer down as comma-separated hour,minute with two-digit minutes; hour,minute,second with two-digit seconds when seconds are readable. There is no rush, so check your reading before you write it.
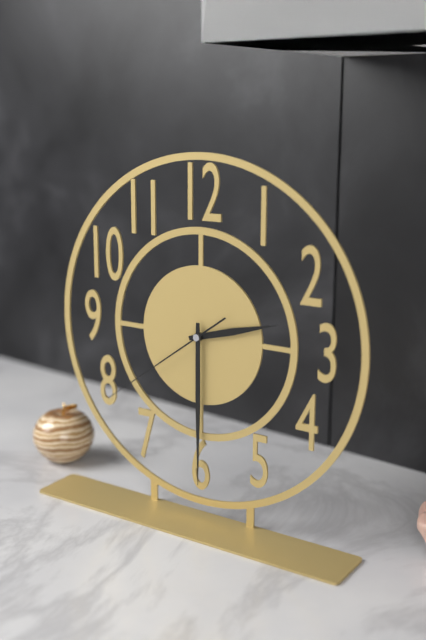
2,30,39
